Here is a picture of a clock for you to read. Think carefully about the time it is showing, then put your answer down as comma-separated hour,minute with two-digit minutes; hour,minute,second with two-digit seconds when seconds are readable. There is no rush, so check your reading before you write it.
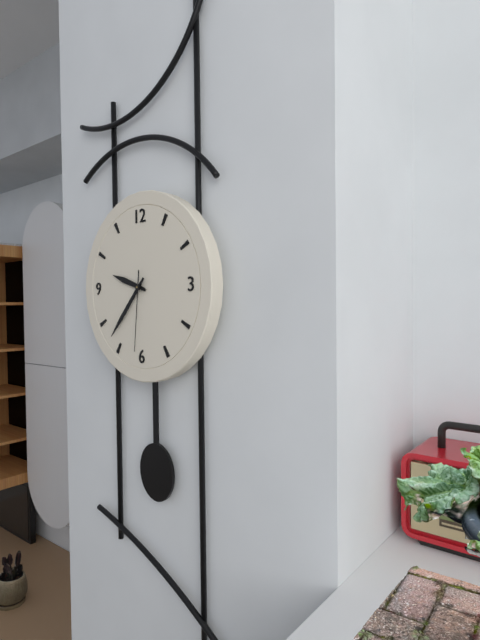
9,37,31
